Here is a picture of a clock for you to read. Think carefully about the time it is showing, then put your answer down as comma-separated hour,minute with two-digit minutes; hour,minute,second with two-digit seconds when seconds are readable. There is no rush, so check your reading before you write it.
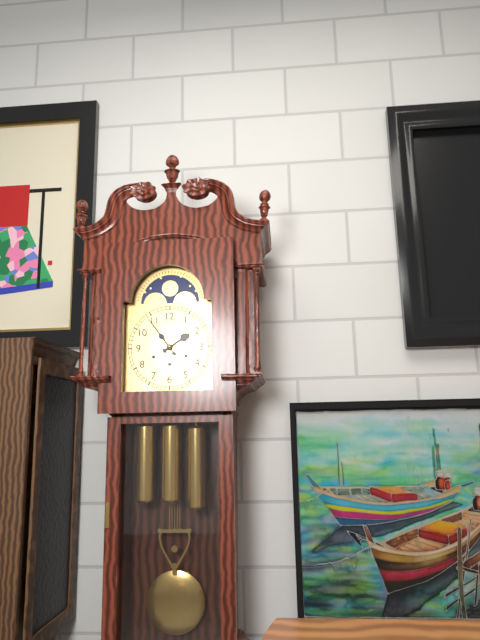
1,54
